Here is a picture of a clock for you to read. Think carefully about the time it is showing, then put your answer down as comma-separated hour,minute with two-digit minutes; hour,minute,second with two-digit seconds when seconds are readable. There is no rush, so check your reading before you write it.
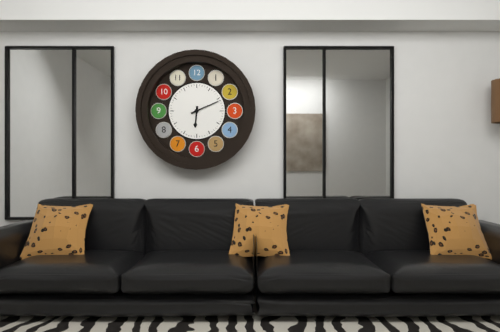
6,11
